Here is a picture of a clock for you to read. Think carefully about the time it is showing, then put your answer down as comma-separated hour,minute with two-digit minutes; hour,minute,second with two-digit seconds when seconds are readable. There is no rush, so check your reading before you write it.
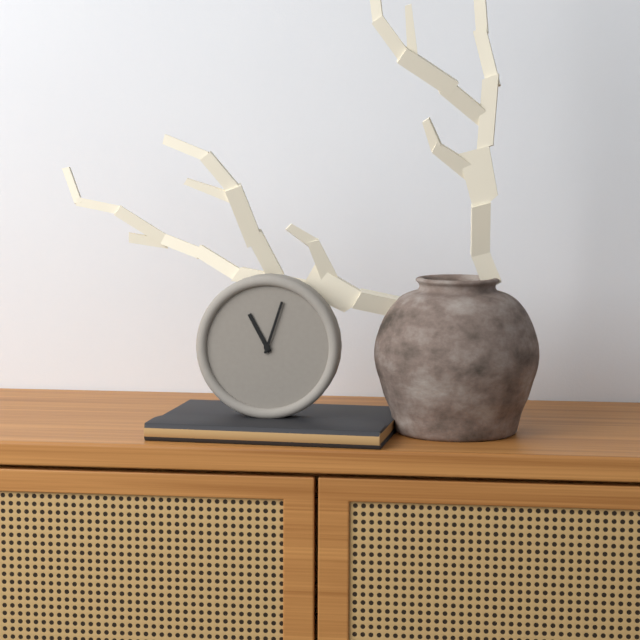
11,03
